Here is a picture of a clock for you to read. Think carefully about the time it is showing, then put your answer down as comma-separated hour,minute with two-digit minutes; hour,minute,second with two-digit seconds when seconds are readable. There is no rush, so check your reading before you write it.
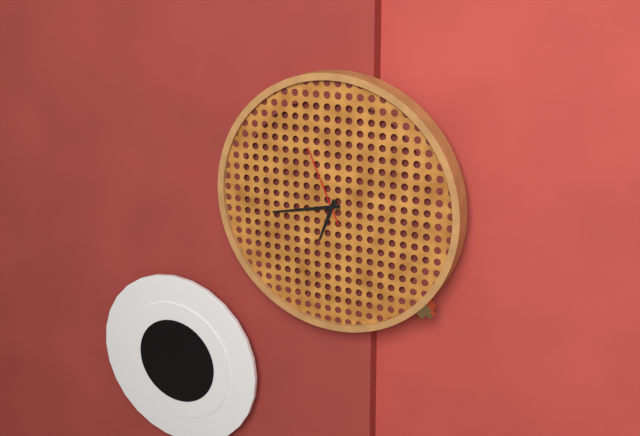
6,43,56
